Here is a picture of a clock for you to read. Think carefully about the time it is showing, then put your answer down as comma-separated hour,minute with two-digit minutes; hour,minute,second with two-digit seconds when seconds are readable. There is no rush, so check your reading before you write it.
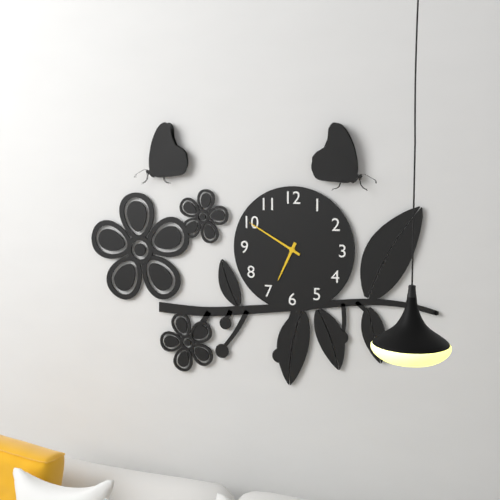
6,50
